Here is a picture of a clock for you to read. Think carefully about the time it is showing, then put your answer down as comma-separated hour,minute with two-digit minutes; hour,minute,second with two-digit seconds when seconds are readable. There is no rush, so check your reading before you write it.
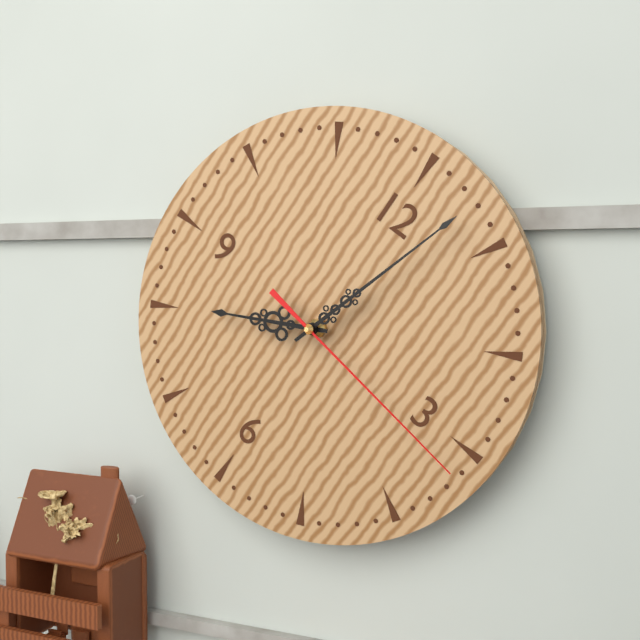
8,03,16
